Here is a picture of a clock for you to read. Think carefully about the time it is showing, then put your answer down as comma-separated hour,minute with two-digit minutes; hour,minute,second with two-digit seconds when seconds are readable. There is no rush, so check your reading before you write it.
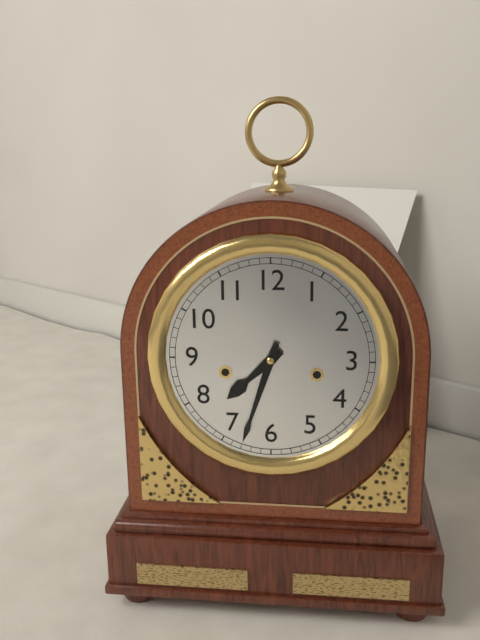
7,33
